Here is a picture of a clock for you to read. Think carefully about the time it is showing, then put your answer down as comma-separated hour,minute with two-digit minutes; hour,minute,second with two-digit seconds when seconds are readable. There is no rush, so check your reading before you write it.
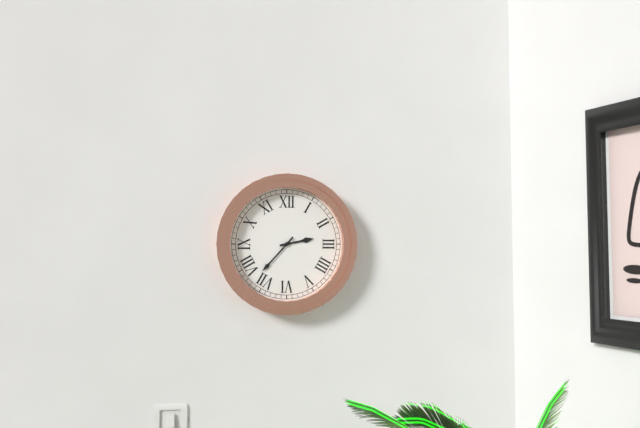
2,37
